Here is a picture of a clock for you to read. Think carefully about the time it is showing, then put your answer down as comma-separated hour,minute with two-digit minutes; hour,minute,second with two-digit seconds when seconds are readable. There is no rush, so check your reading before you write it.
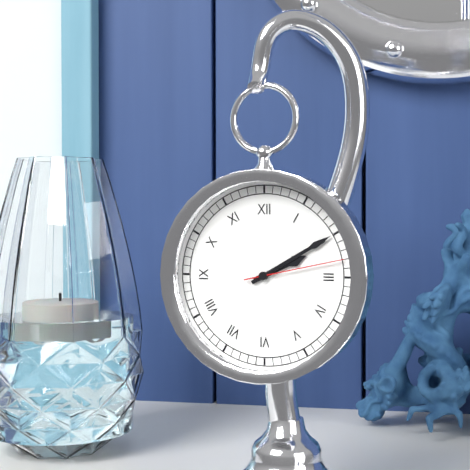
2,10,13
